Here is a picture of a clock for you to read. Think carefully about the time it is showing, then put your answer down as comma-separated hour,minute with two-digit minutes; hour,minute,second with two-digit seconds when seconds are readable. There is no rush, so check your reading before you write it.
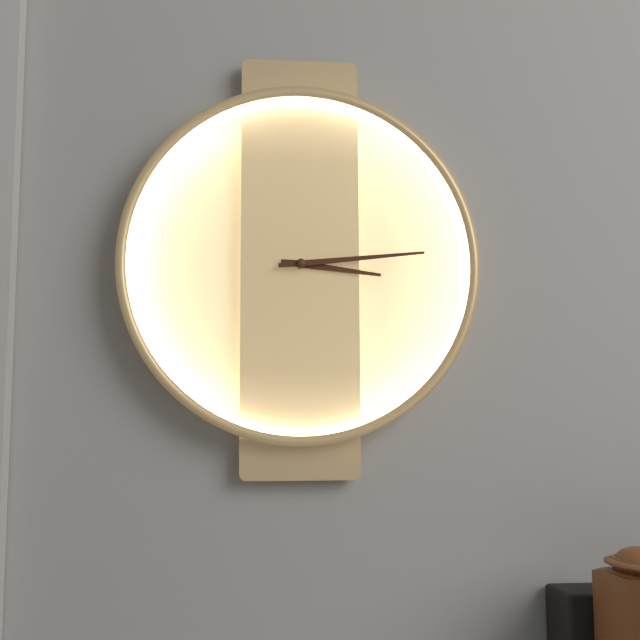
3,14
